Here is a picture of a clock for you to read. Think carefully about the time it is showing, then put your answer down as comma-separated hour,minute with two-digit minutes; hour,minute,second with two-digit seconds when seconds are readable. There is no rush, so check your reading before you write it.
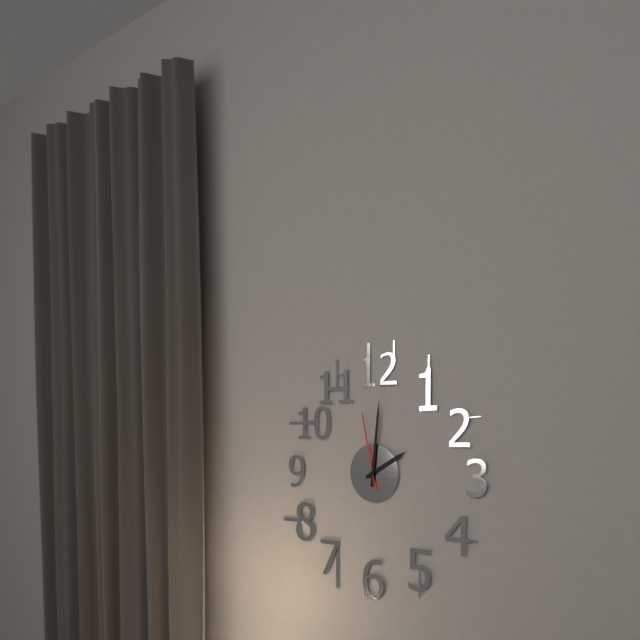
2,01,58
